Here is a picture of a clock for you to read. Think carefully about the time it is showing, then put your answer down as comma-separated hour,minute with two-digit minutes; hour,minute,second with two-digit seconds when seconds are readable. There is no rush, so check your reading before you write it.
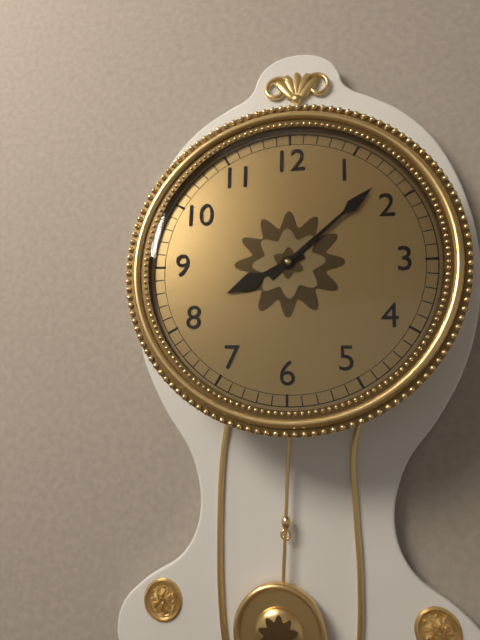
8,08
